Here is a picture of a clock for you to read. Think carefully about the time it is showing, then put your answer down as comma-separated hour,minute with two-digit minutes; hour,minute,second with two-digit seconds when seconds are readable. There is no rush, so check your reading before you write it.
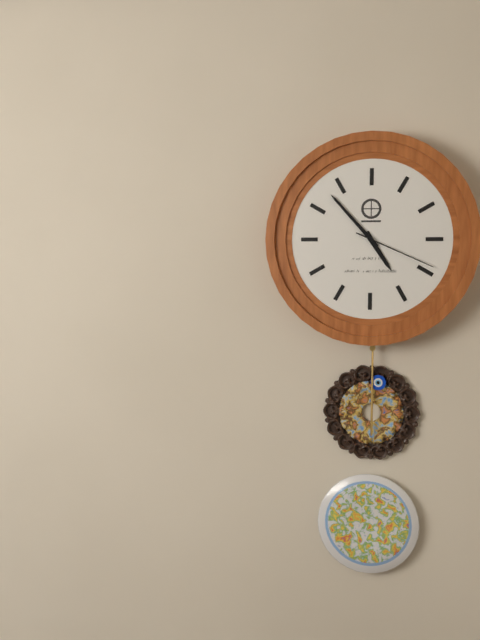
4,53,19
